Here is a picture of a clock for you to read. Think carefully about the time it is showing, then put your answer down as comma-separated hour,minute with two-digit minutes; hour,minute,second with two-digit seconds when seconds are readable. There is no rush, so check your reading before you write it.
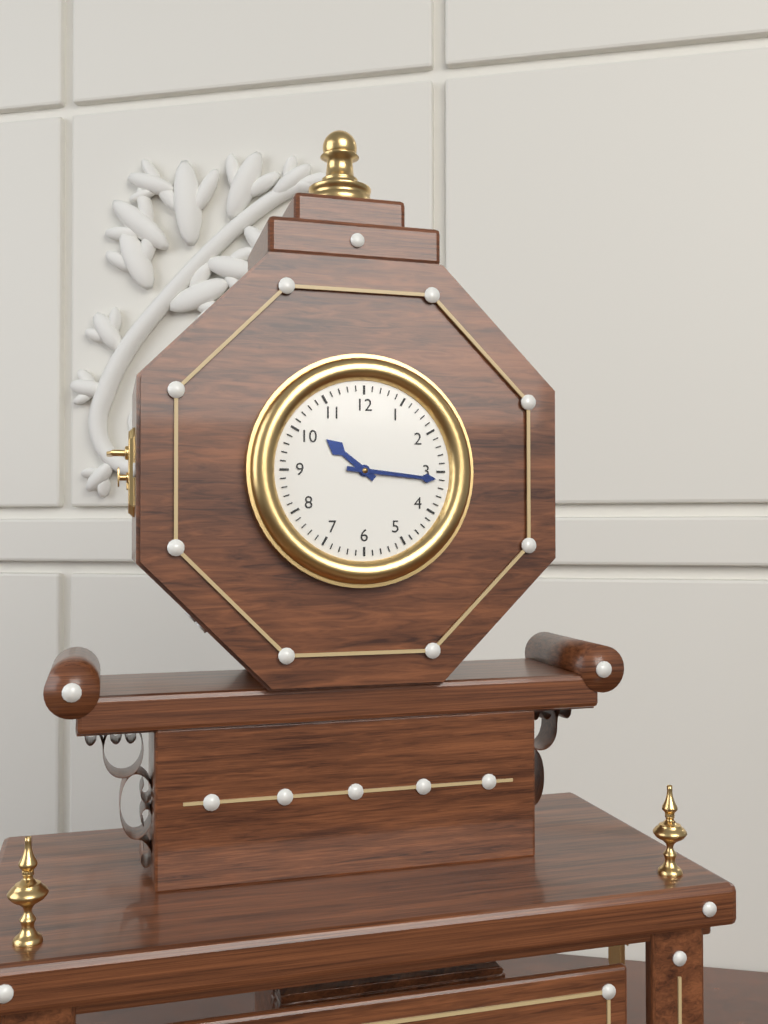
10,16
